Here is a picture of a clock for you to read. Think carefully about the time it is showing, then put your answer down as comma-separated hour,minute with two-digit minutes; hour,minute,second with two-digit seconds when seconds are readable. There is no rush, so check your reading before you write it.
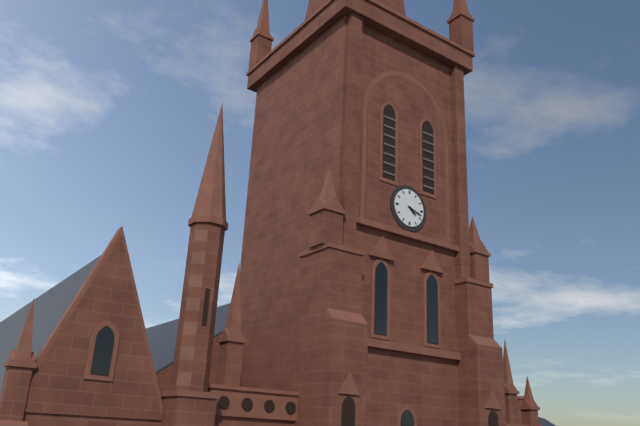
4,18
